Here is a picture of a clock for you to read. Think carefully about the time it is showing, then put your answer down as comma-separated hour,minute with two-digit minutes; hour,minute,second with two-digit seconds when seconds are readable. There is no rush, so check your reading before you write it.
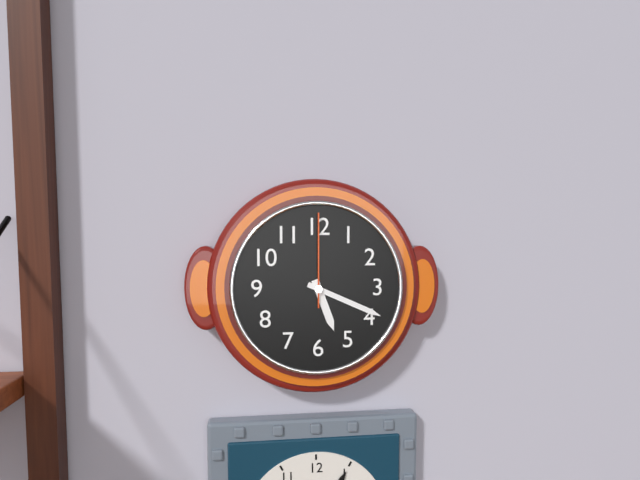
5,19,00
